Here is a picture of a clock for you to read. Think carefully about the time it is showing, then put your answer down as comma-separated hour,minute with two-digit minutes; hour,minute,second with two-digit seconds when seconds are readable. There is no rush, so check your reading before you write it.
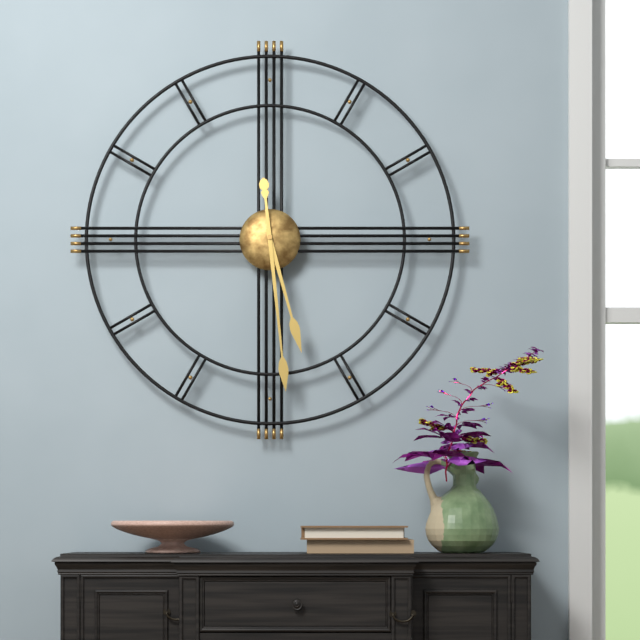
5,29
